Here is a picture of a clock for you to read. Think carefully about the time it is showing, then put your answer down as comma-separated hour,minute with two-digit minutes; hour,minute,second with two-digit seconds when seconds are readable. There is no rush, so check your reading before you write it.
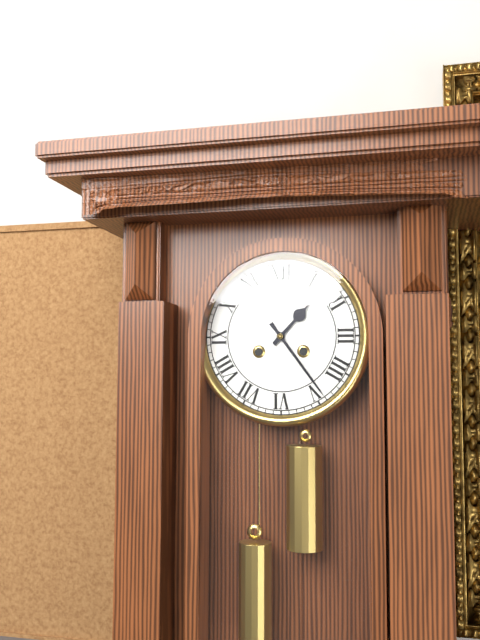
1,24
